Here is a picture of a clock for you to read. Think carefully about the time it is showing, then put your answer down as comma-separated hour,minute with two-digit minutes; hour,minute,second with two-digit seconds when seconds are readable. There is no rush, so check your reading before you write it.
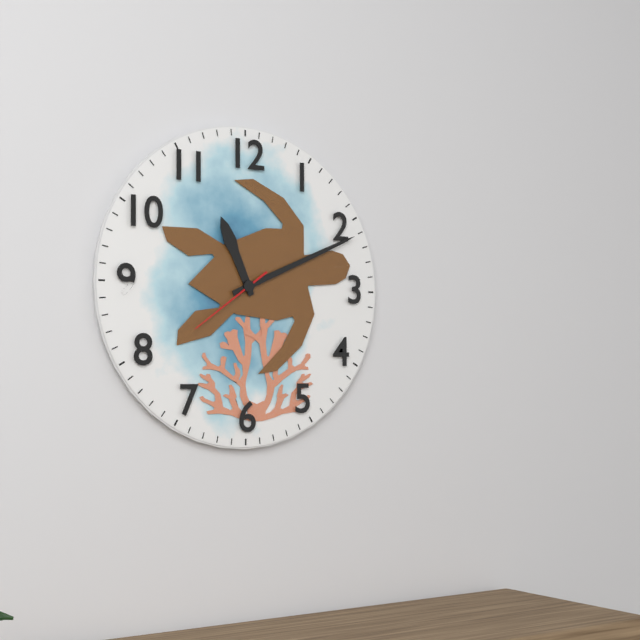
11,11,39
